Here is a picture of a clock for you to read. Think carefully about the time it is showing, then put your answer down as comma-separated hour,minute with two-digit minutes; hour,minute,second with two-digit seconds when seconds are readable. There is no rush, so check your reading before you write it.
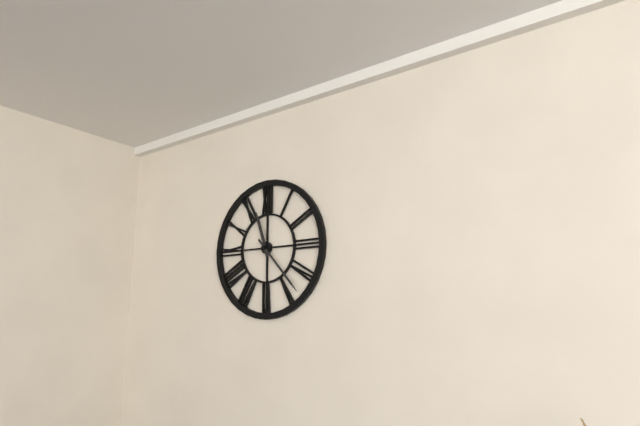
11,23
